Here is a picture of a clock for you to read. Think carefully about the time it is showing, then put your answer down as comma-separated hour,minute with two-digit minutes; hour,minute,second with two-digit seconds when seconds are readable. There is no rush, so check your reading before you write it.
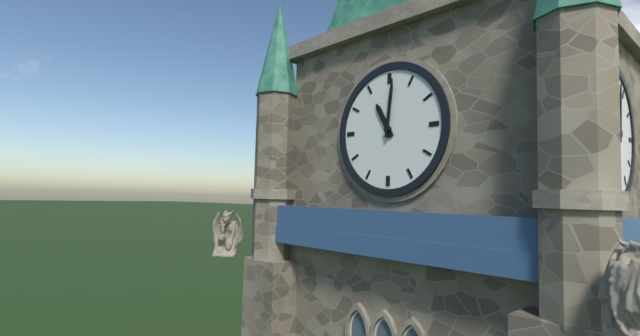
11,01
